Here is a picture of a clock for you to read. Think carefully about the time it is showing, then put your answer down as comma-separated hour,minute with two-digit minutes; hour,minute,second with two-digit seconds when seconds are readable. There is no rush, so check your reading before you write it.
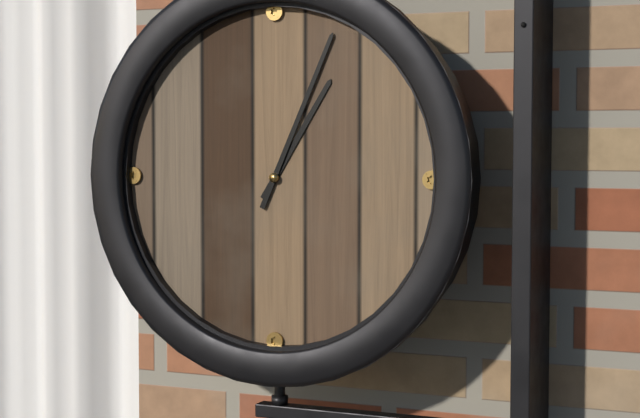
1,04
